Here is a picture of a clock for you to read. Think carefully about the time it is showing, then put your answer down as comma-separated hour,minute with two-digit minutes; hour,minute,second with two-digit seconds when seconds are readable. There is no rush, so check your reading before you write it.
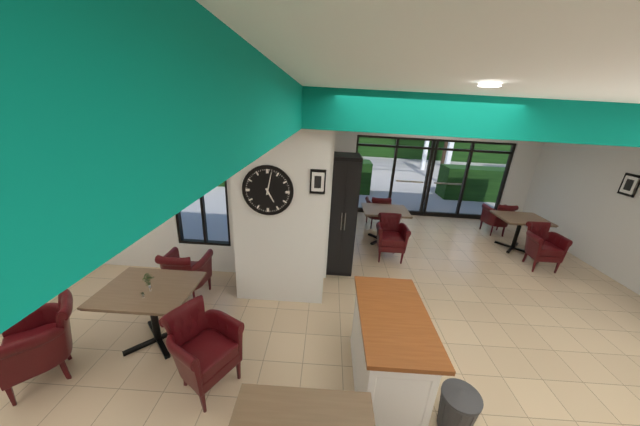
5,02
